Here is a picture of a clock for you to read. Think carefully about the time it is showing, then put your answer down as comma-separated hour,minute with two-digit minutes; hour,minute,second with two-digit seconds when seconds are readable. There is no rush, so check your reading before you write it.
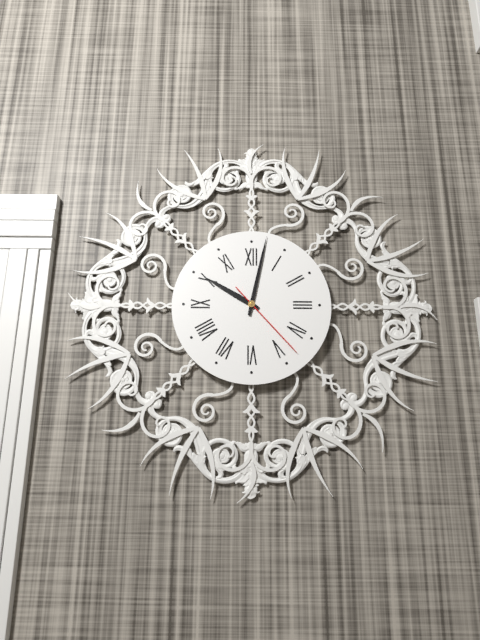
10,02,23
